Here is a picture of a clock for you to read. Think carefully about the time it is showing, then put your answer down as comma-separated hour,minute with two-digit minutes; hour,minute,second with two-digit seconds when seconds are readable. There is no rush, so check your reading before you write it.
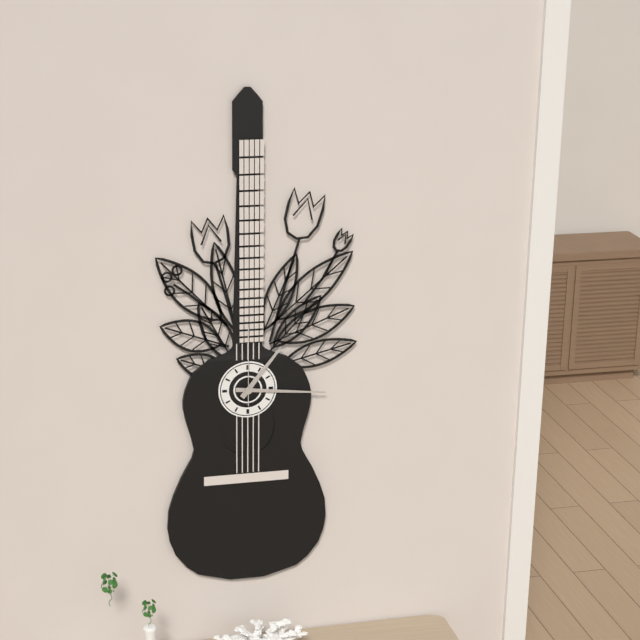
1,16,00
